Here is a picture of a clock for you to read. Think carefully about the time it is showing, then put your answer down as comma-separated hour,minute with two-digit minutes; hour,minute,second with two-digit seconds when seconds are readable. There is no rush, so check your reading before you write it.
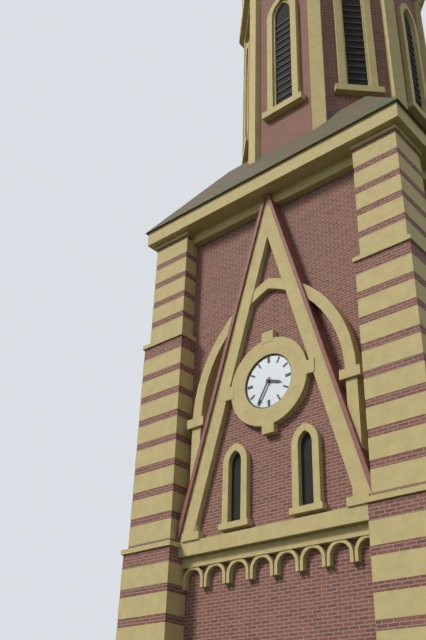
3,35
